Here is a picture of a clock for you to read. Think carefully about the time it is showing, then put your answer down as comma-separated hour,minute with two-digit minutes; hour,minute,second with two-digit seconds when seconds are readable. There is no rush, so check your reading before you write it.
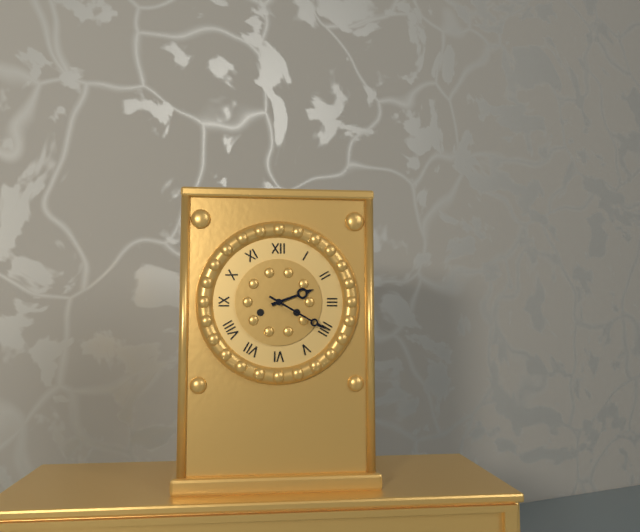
2,20
